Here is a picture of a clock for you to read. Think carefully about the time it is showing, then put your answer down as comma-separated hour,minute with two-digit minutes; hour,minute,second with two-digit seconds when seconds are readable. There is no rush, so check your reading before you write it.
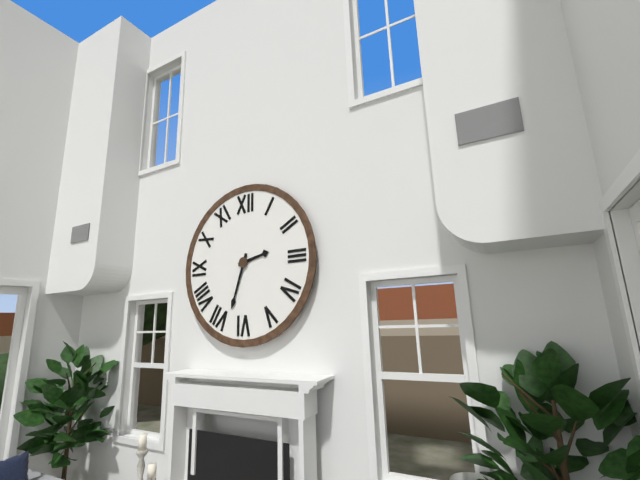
2,33
